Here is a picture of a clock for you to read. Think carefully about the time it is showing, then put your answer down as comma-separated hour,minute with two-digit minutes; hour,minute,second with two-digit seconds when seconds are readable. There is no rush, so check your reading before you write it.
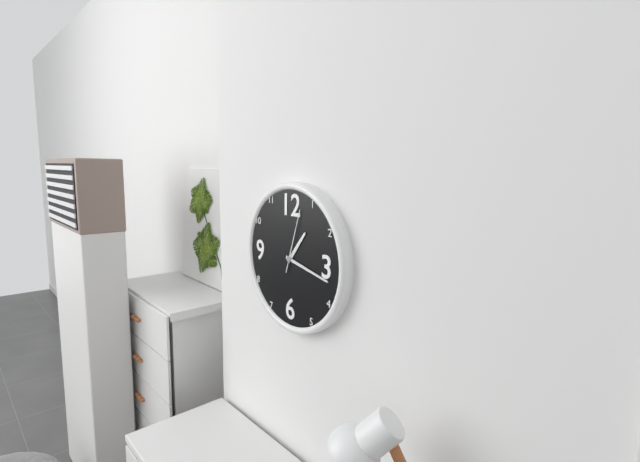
1,17,03
